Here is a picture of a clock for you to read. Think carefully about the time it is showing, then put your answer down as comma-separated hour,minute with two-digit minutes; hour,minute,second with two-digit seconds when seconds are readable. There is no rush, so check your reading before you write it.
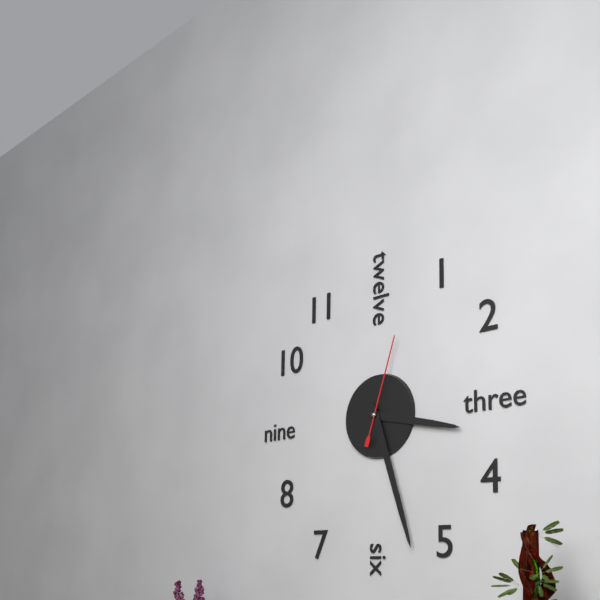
3,27,03
